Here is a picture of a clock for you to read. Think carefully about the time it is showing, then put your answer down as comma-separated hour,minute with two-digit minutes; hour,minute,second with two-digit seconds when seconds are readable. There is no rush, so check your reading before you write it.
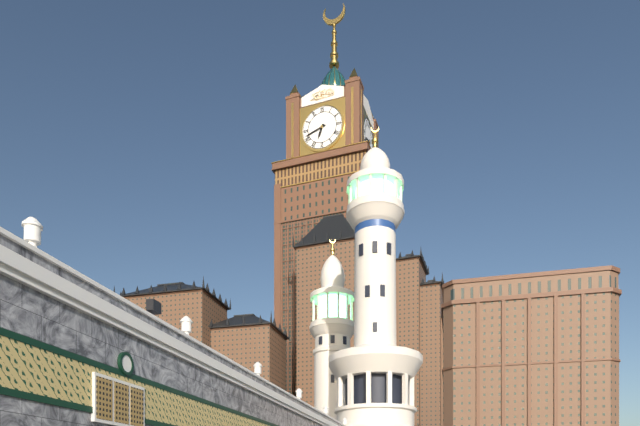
6,42
